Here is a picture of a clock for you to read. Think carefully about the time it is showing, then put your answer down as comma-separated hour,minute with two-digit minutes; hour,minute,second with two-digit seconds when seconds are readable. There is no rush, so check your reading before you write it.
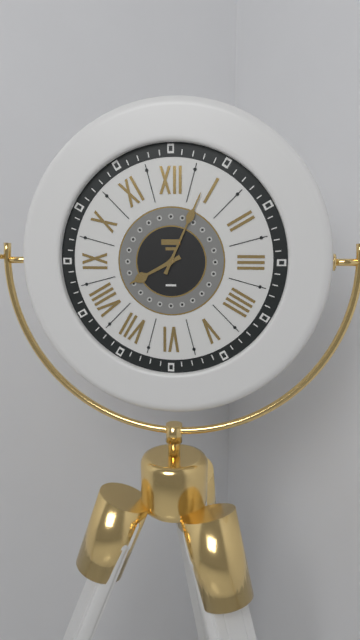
8,04
